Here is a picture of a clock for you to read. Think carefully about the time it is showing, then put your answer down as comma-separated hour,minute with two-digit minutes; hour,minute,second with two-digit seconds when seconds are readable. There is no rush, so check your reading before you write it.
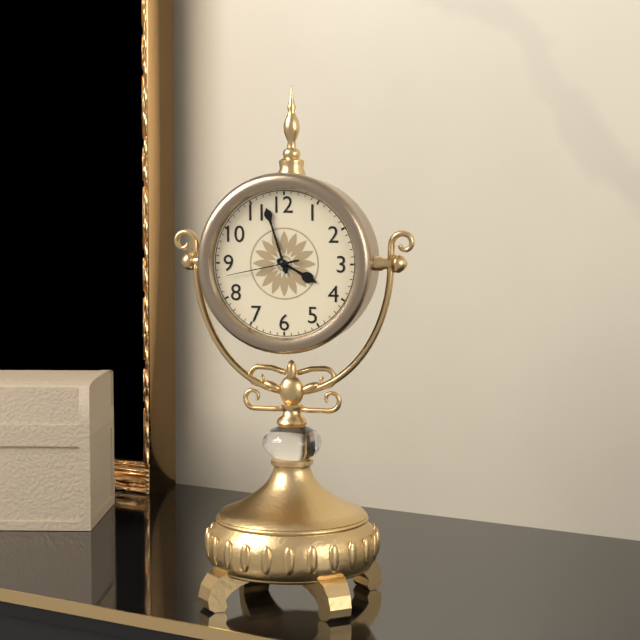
3,57,43
